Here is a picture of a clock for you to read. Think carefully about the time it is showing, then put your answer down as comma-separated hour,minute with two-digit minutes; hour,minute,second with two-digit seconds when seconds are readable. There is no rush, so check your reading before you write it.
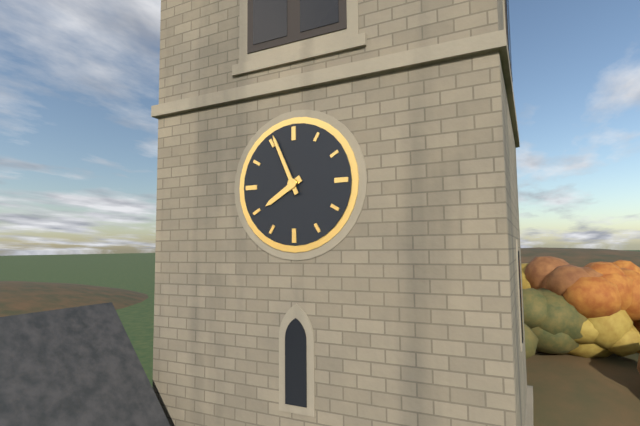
7,56
